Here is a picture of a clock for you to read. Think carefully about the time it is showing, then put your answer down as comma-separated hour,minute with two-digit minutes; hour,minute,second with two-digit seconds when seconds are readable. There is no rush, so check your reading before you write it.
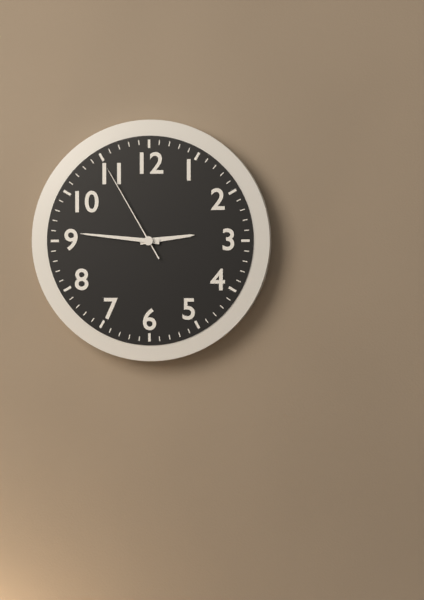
2,46,55
